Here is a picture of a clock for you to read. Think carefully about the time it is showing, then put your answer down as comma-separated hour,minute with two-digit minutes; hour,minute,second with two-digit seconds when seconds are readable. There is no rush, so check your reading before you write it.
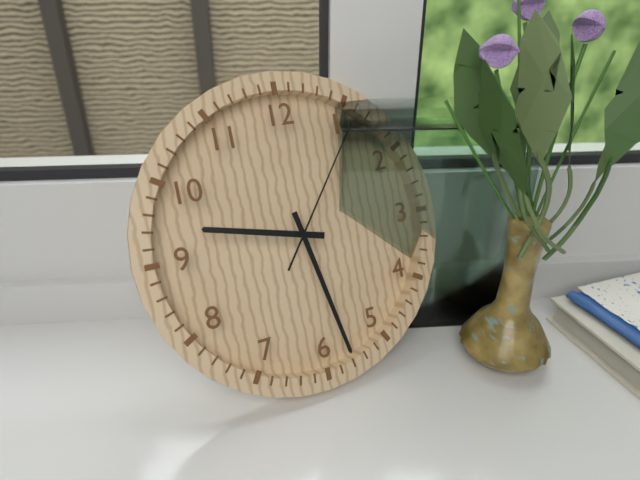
9,28,06
